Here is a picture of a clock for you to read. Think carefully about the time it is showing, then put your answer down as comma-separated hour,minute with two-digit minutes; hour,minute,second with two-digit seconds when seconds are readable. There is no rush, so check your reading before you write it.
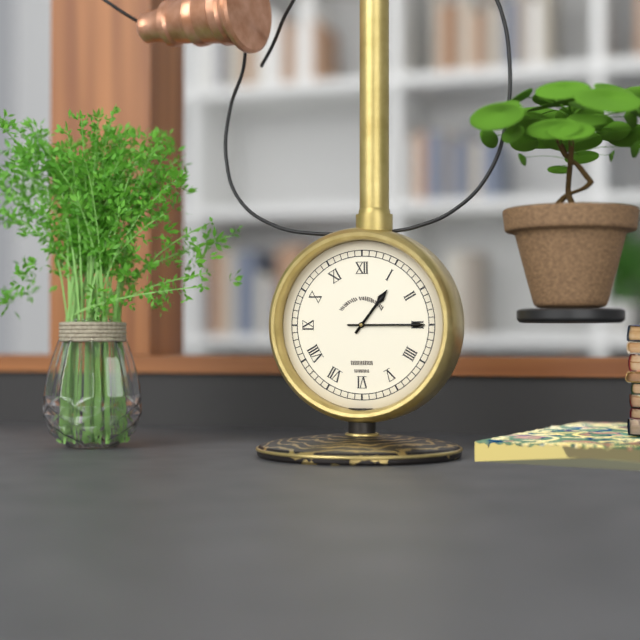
1,15
